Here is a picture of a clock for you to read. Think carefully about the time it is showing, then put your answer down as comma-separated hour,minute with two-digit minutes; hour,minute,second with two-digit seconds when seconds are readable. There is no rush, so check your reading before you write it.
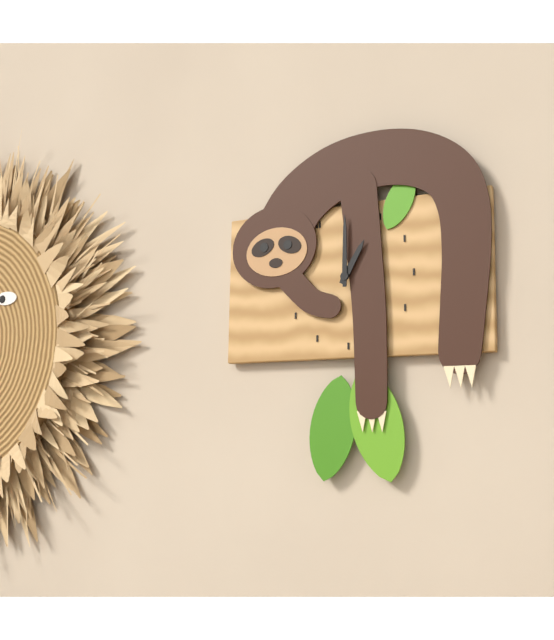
1,00
